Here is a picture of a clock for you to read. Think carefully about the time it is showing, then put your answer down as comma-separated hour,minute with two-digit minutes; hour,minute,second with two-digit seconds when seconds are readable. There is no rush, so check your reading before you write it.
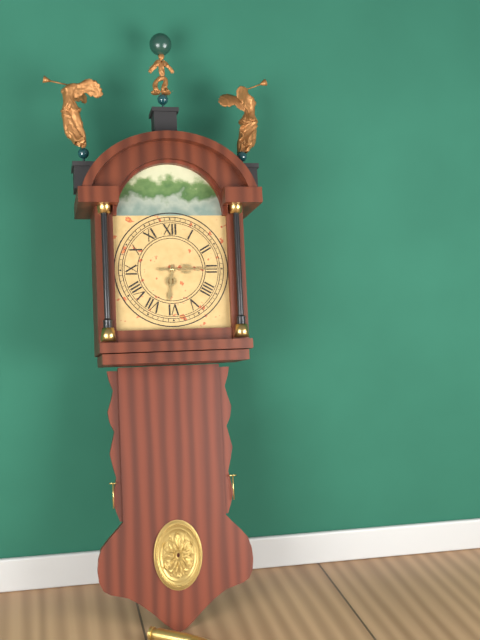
6,15
